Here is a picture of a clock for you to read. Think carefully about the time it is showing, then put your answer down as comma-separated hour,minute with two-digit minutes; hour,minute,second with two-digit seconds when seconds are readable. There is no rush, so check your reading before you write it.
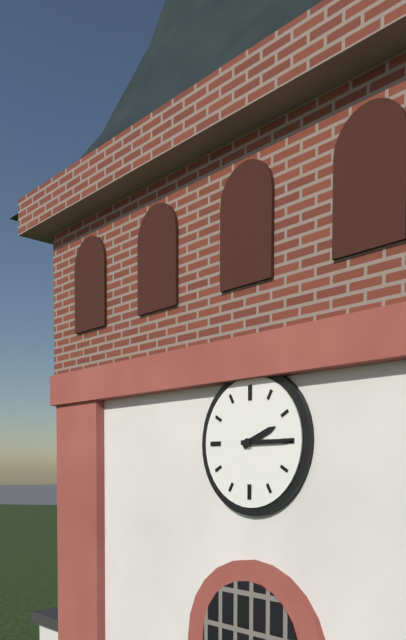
2,15
